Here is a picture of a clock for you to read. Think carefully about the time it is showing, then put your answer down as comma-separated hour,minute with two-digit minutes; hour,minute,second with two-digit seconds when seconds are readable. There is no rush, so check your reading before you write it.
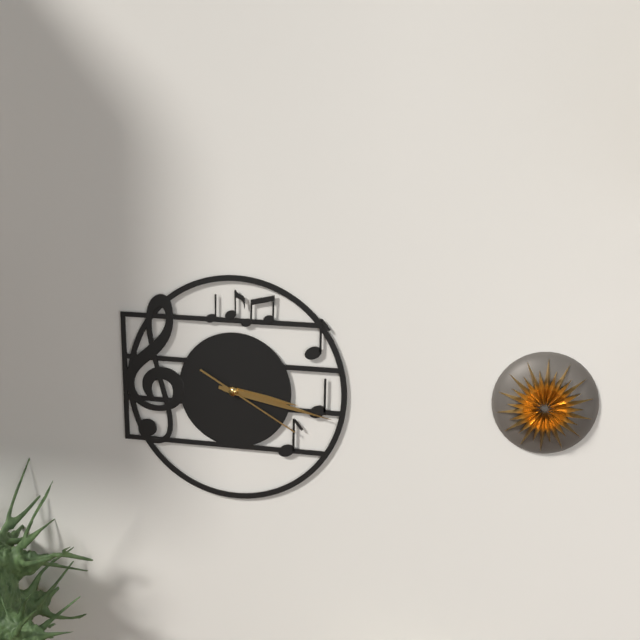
3,17,20
